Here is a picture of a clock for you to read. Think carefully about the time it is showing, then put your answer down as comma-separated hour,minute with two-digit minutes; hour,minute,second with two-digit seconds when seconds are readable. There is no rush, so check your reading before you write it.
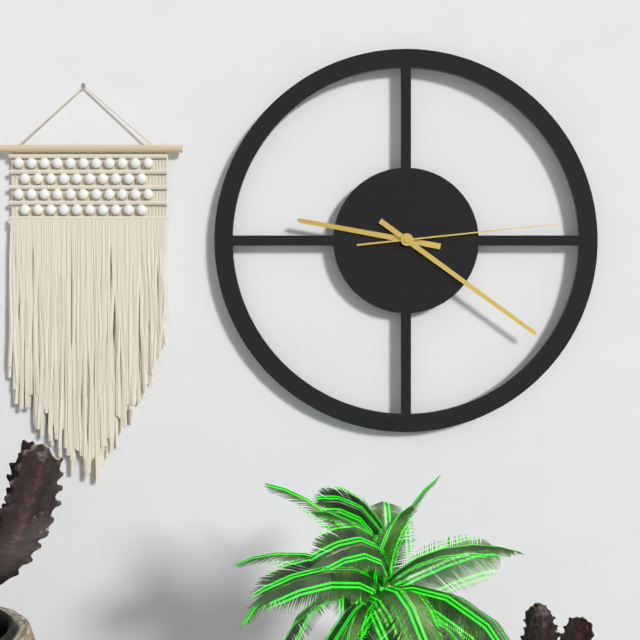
9,21,14
